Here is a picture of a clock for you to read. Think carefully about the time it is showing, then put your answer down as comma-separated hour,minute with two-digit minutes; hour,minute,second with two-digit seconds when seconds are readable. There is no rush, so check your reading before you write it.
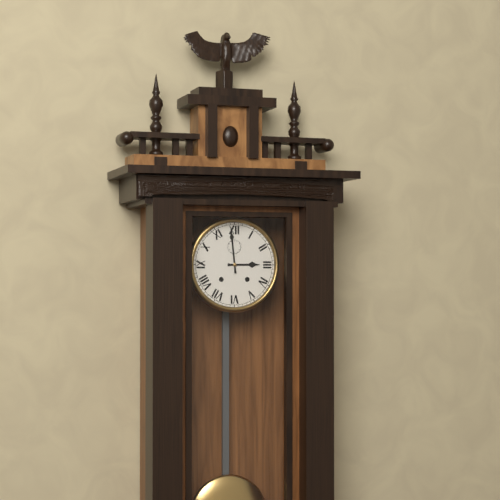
2,59
